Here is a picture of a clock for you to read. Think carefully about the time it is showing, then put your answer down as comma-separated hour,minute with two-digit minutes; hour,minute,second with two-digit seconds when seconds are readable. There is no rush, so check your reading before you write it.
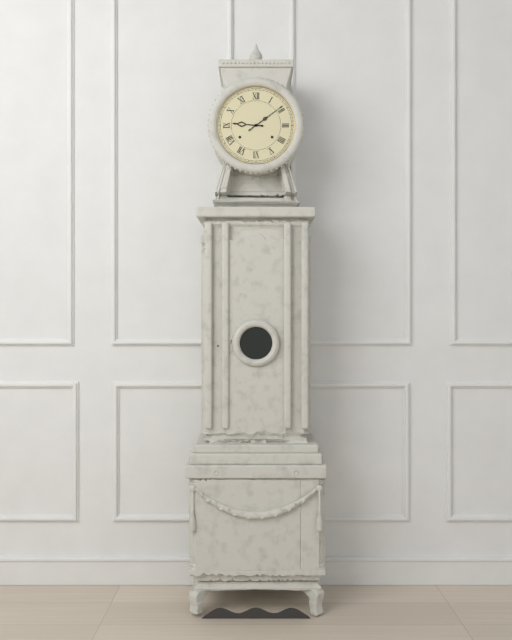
9,09
